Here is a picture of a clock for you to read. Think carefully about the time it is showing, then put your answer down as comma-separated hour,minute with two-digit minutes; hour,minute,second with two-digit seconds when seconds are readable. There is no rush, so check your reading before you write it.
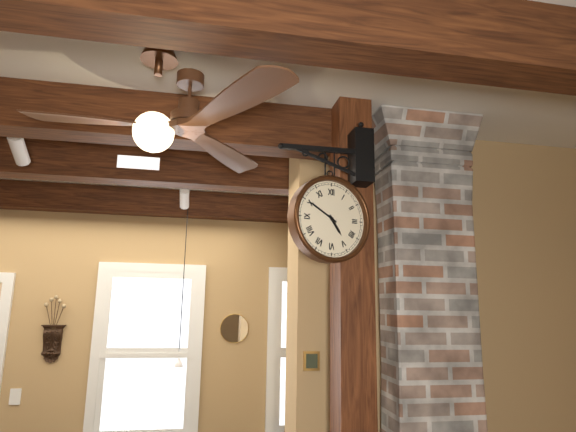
4,50
